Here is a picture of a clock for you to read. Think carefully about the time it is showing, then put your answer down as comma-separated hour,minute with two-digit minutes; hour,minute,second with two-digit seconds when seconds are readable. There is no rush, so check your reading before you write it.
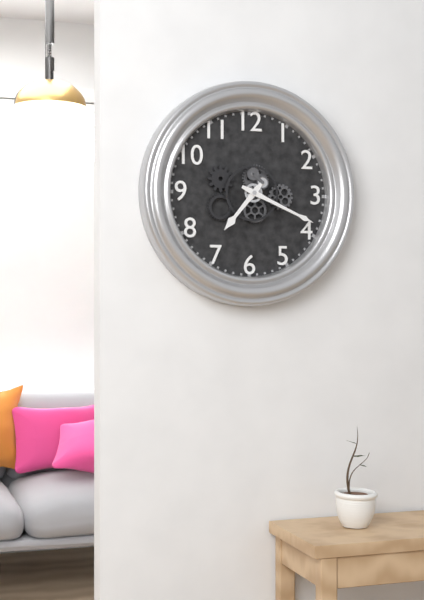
7,19
